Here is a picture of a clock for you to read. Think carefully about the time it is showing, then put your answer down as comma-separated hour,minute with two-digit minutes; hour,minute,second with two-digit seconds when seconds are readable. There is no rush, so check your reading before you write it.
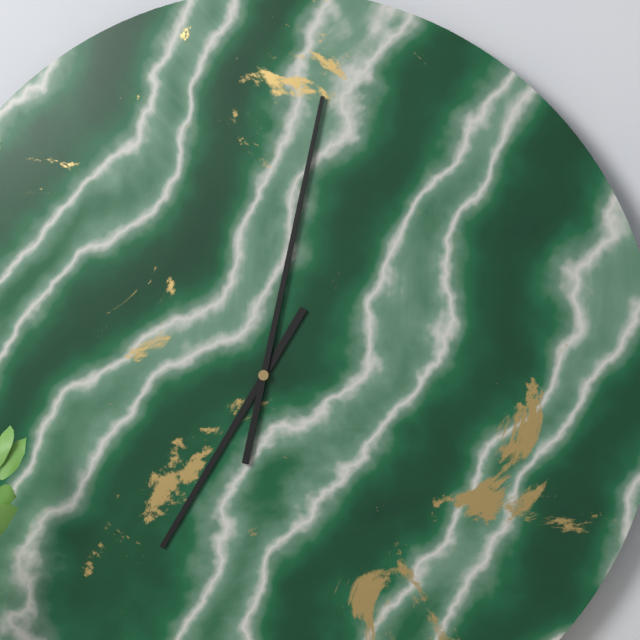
7,02
